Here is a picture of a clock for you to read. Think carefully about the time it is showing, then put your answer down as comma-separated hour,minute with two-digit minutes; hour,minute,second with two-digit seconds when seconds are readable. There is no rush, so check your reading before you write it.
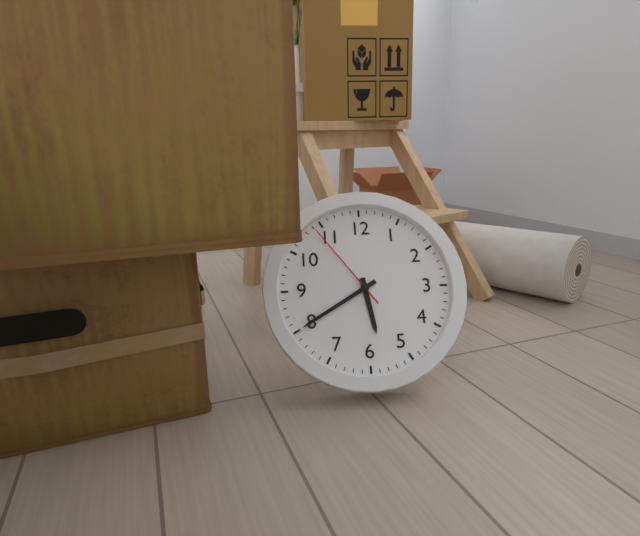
5,40,54
